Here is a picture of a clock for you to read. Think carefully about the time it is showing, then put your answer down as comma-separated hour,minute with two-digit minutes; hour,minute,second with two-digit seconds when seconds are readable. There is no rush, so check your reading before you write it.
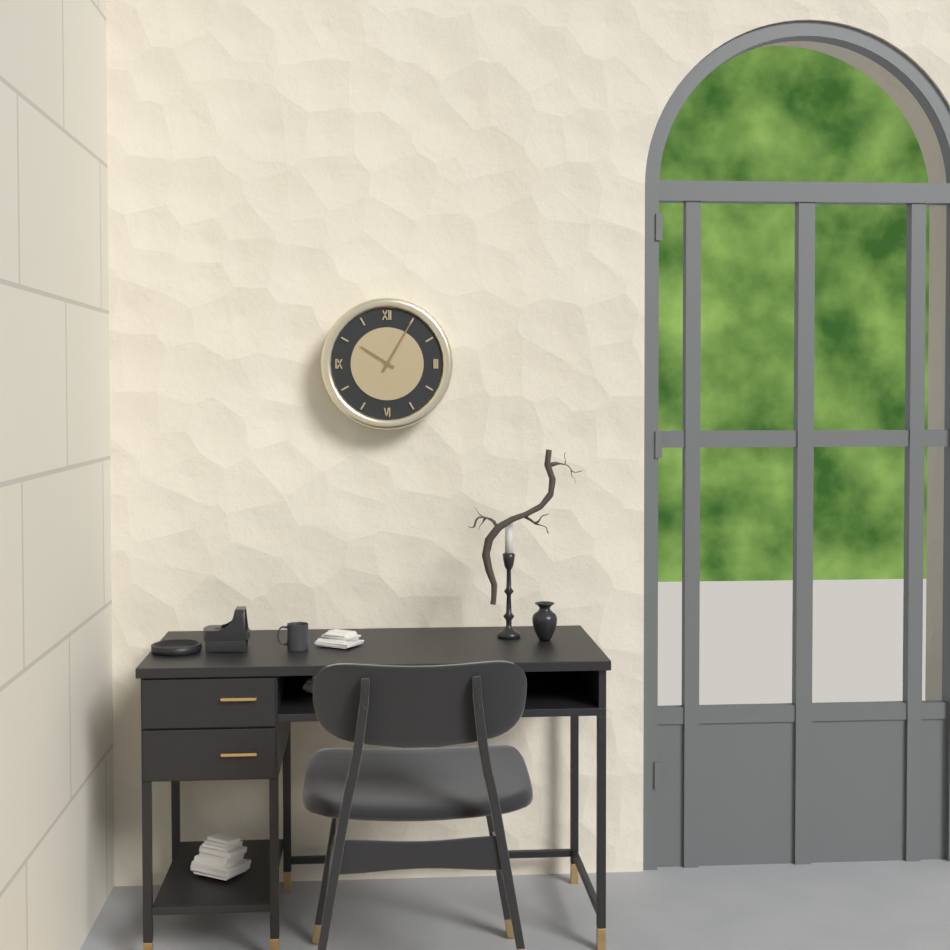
10,05
